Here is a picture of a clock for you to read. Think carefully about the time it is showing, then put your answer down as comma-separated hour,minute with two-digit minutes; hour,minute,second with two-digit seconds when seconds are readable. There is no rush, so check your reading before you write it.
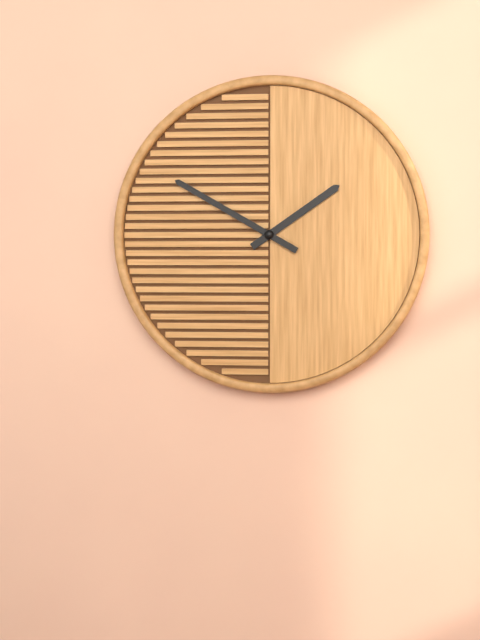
1,50
